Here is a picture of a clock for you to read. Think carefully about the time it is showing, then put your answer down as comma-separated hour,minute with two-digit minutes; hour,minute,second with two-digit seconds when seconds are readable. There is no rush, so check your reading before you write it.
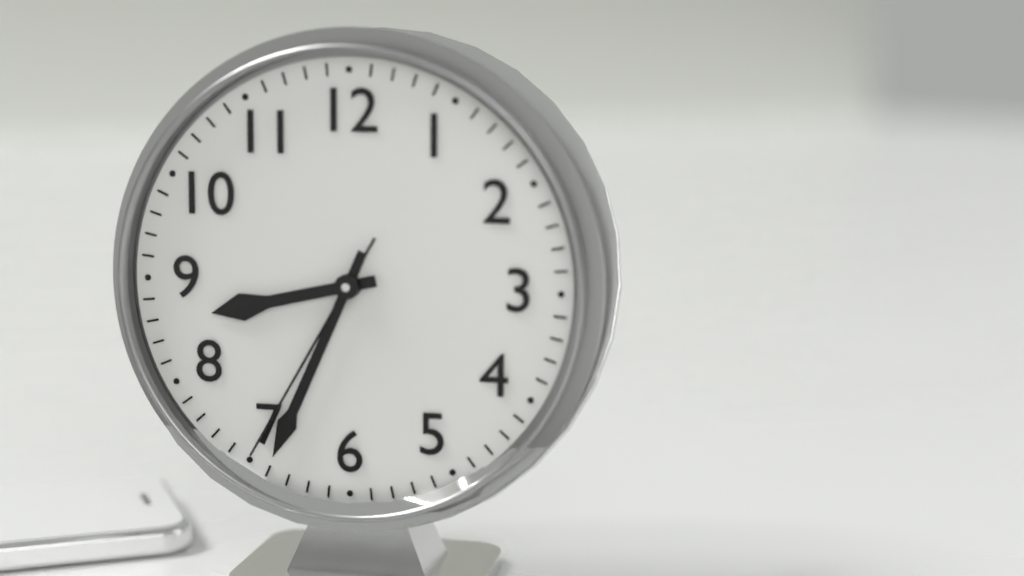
8,34,35
